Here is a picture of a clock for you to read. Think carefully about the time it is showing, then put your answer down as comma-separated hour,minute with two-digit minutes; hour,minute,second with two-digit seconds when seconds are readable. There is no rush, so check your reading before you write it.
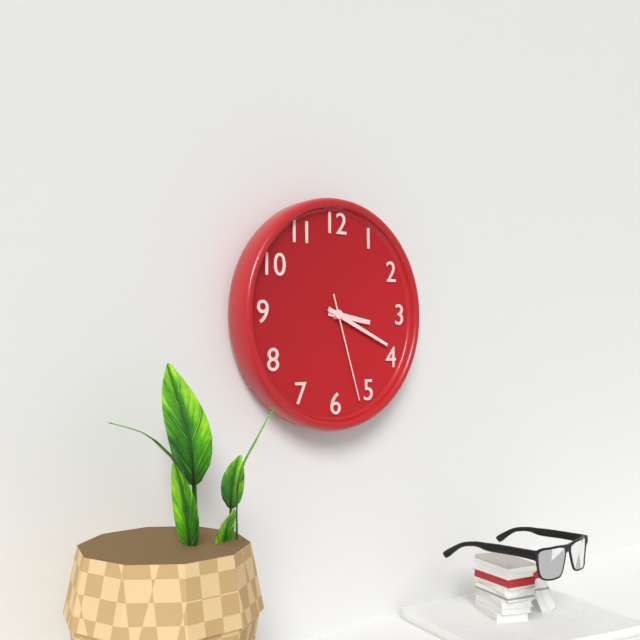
3,19,27
